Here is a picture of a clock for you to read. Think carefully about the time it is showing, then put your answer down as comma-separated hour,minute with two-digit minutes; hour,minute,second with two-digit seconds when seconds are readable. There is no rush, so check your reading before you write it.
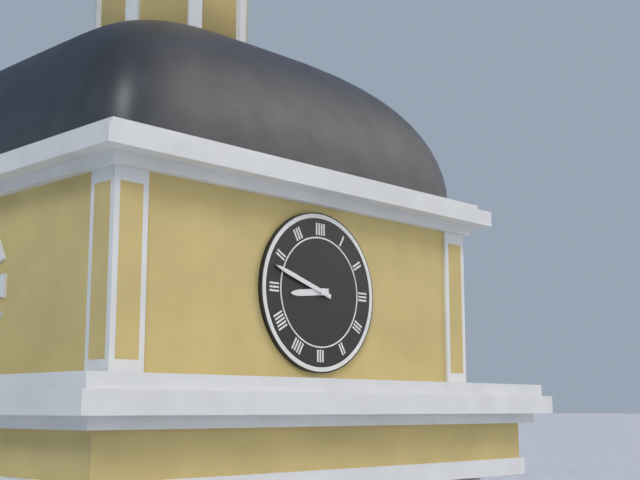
8,48
